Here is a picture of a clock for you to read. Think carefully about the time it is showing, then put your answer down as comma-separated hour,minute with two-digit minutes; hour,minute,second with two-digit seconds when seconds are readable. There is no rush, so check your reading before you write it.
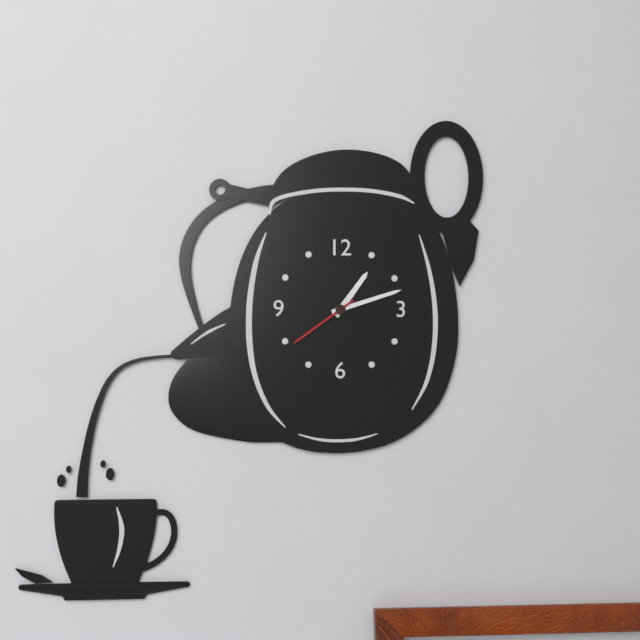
1,12,39
